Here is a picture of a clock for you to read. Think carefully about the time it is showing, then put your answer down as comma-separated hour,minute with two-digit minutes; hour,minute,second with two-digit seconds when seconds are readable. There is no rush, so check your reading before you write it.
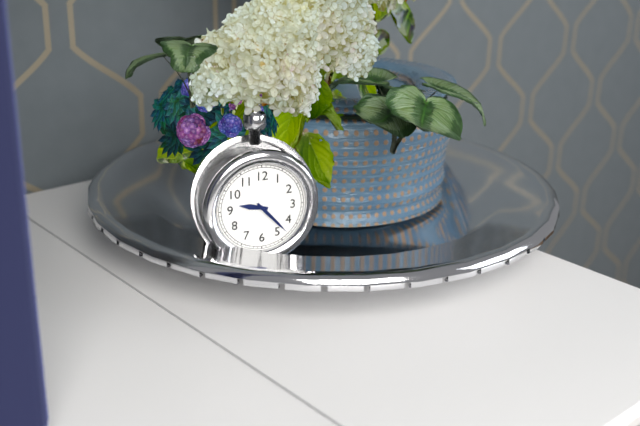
9,23
